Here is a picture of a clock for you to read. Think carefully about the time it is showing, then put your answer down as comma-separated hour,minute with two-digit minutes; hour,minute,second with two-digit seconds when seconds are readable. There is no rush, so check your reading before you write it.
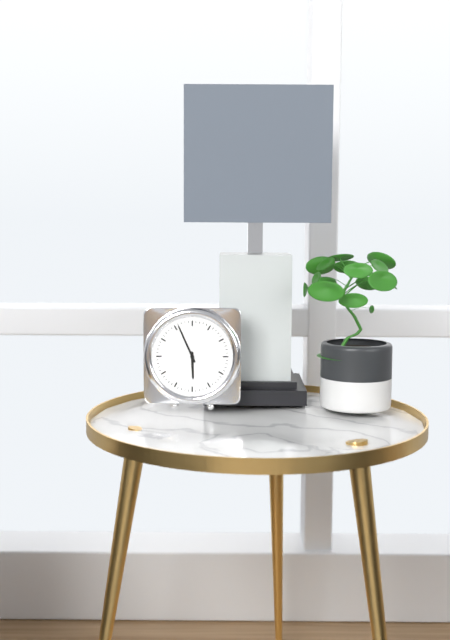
5,56
